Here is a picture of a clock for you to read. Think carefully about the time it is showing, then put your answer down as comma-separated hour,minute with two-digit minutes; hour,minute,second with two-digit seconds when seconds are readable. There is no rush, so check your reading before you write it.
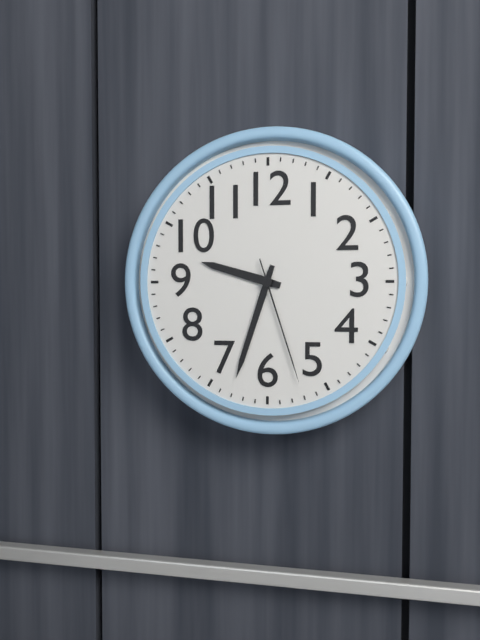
9,33,27
